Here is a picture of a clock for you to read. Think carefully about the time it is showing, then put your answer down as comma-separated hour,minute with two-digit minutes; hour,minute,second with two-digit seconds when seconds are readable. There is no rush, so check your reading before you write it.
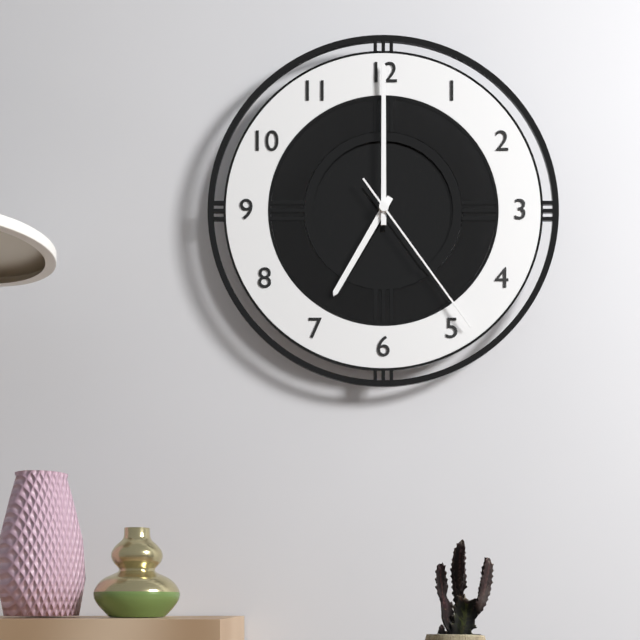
7,00,24
